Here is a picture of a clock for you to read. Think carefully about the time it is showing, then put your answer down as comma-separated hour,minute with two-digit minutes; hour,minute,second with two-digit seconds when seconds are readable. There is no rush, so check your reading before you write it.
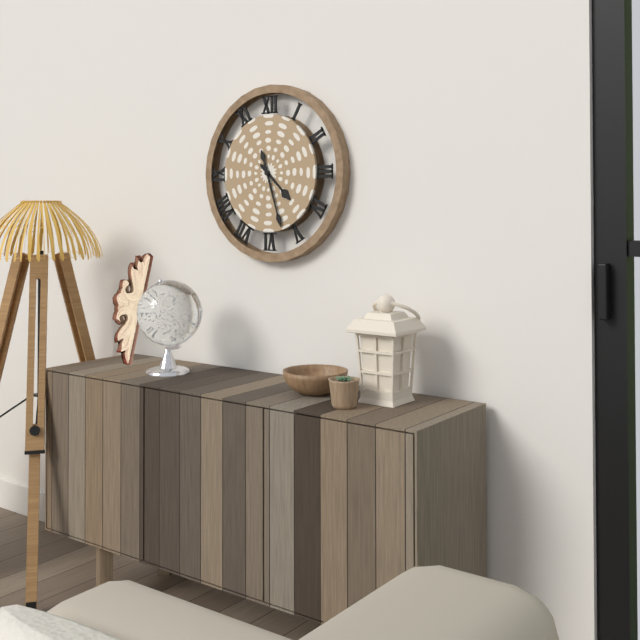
4,27
